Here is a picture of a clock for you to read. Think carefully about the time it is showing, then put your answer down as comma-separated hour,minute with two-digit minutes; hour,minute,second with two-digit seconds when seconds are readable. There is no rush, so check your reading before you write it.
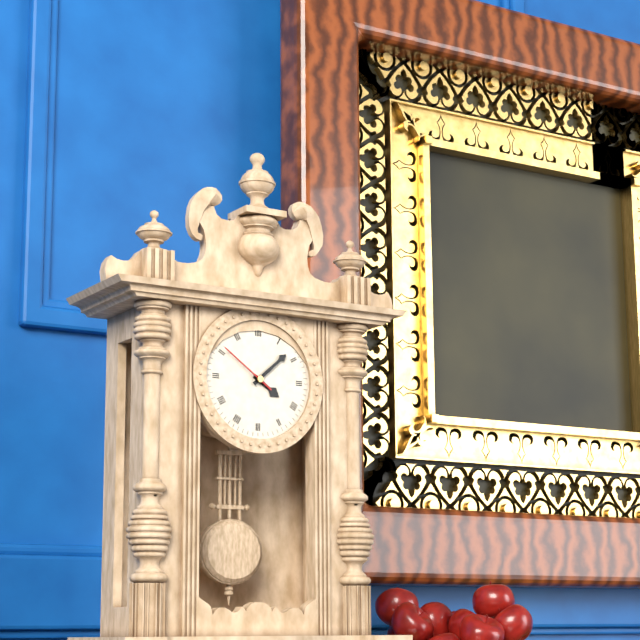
4,08,51
